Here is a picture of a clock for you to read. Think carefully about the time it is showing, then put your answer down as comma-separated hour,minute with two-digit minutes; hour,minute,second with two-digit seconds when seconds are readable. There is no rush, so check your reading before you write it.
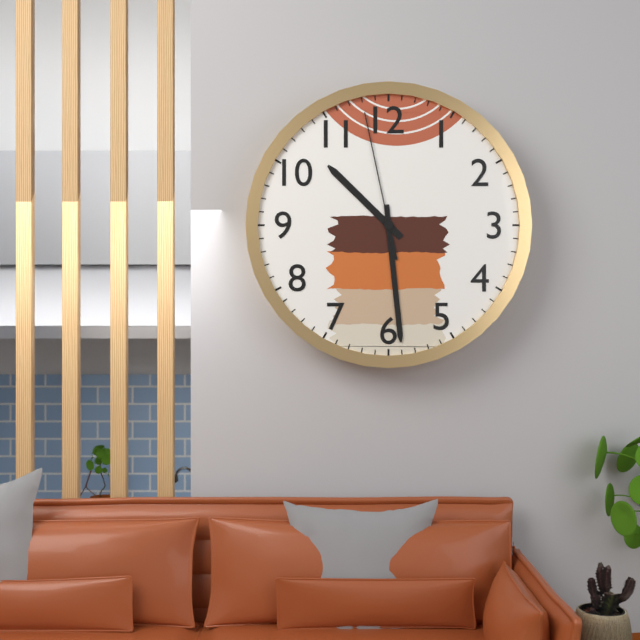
10,29,58
